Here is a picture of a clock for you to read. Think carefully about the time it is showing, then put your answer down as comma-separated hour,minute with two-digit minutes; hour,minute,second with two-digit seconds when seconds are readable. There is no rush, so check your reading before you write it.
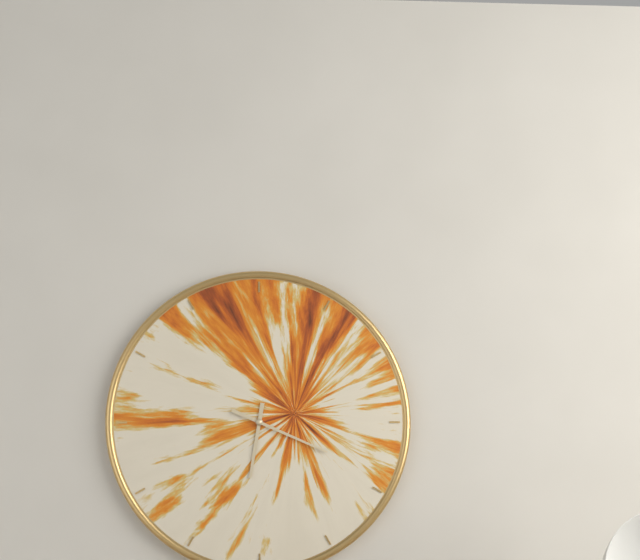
6,19
